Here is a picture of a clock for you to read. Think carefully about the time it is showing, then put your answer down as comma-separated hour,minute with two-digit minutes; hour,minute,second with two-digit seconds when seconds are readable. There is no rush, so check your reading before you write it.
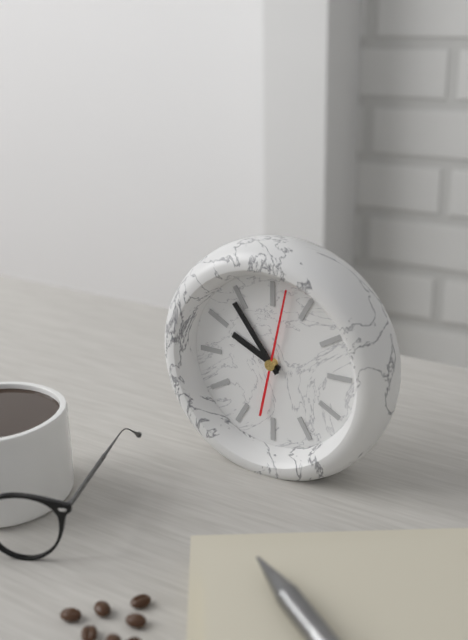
9,54,02
